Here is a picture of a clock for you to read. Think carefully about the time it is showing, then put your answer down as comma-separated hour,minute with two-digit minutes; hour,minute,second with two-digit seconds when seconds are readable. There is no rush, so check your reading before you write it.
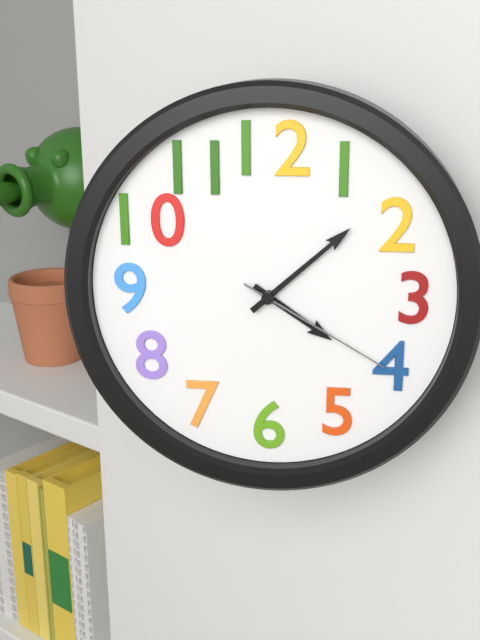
4,08,20
